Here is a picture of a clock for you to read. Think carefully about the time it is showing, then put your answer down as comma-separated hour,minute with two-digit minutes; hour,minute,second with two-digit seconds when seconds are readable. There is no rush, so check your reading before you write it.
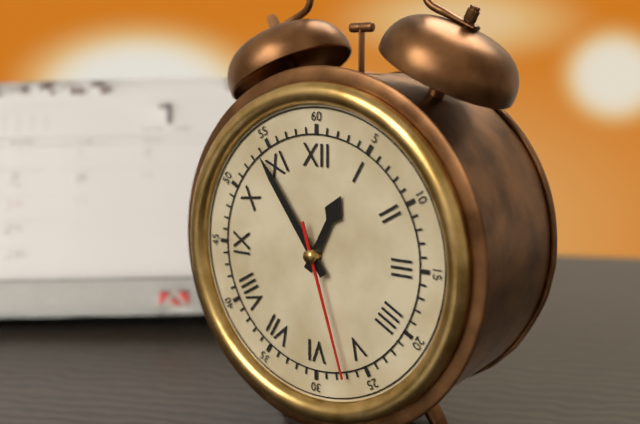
12,54,27
